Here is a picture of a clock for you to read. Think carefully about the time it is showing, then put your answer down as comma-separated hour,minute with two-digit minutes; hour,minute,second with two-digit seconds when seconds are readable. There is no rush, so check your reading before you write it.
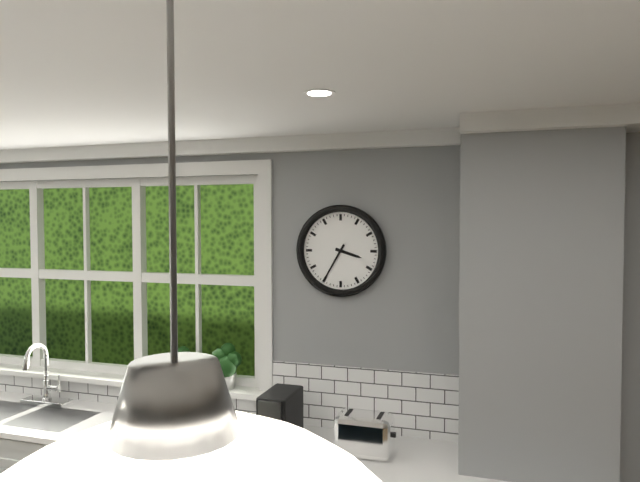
3,35
